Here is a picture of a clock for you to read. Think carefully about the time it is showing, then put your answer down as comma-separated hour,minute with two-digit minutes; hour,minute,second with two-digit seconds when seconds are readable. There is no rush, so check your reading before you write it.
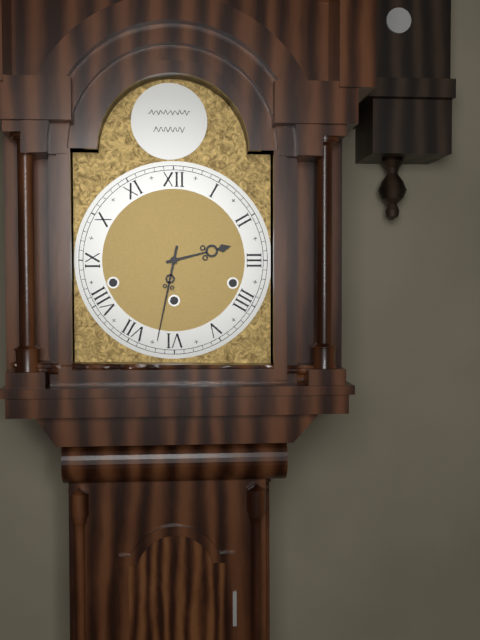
2,32
